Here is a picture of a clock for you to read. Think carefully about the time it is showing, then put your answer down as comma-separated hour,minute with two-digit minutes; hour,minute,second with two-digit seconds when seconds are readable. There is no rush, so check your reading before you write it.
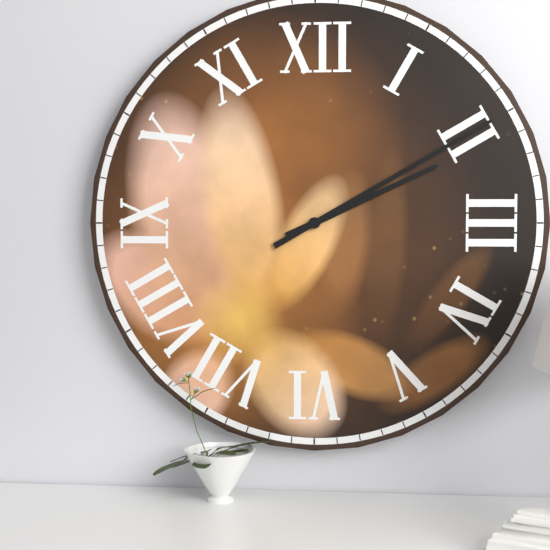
2,10
